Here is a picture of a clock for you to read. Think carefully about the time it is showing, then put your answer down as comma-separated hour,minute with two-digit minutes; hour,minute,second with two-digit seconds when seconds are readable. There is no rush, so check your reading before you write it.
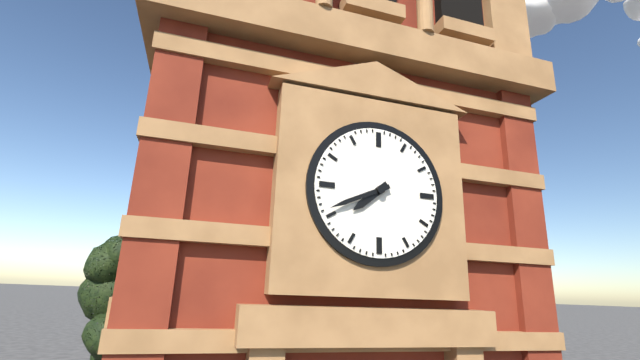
7,41
